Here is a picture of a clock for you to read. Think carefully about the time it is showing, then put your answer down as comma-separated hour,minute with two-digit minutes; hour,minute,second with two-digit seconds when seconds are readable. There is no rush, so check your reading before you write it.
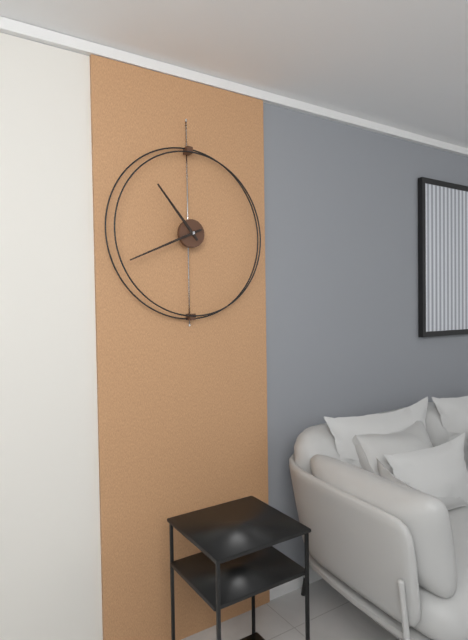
10,41
